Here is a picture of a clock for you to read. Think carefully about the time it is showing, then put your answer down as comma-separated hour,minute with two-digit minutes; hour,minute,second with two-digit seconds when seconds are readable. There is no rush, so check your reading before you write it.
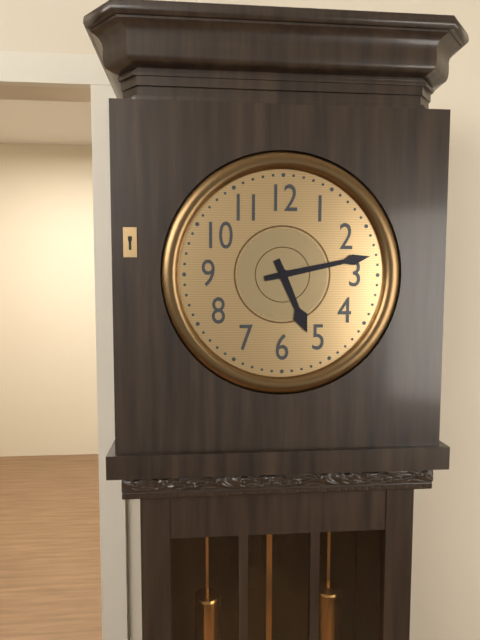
5,13
